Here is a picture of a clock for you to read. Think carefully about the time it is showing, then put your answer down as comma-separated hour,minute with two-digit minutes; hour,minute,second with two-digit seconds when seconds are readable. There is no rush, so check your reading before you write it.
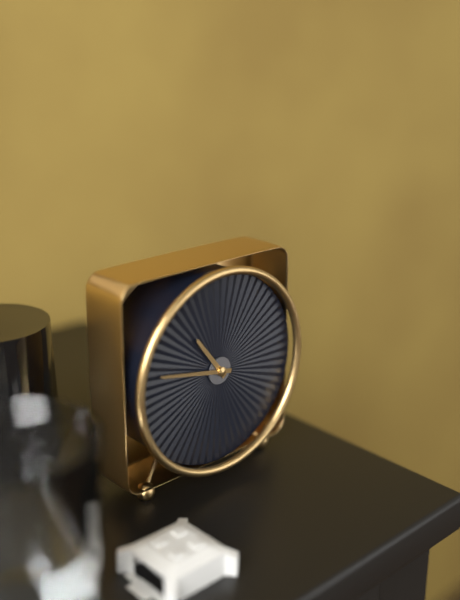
10,47
